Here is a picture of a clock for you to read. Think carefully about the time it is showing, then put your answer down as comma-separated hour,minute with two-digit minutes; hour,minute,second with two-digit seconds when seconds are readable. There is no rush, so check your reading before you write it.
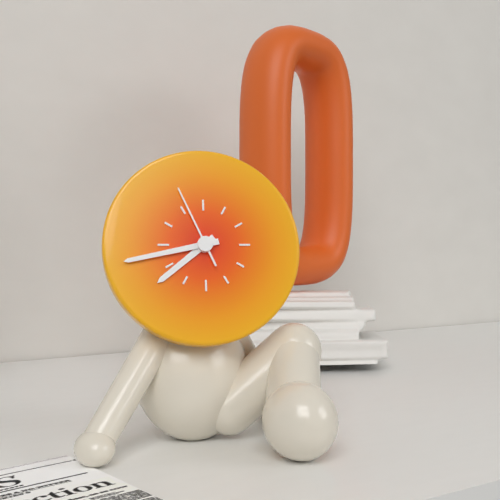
7,43,56
